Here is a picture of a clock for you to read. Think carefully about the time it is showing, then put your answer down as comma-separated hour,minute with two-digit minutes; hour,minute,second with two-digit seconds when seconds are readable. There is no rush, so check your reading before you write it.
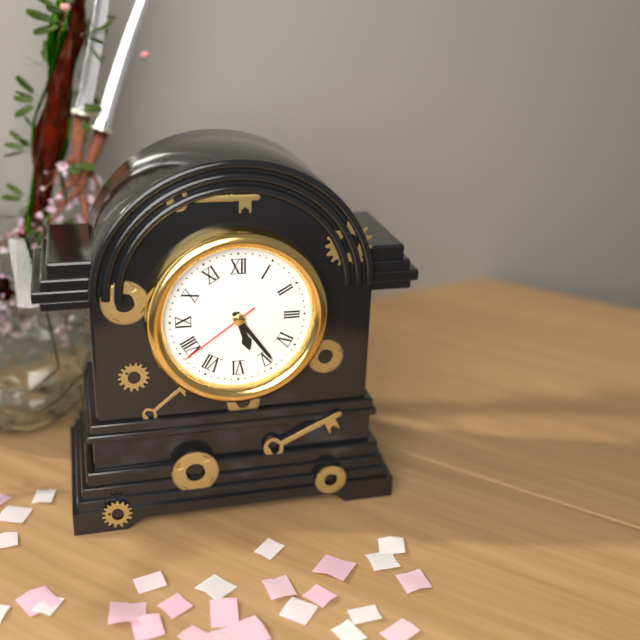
5,24,39
